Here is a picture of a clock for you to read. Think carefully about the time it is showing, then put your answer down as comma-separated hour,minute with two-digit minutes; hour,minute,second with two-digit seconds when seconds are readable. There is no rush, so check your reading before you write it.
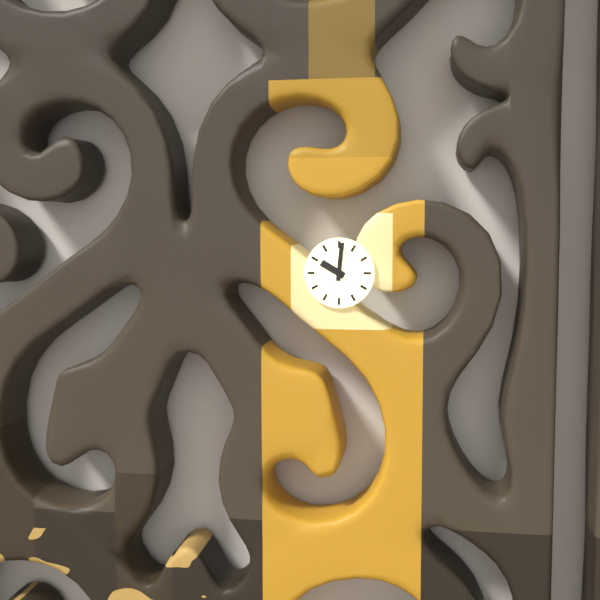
10,01
